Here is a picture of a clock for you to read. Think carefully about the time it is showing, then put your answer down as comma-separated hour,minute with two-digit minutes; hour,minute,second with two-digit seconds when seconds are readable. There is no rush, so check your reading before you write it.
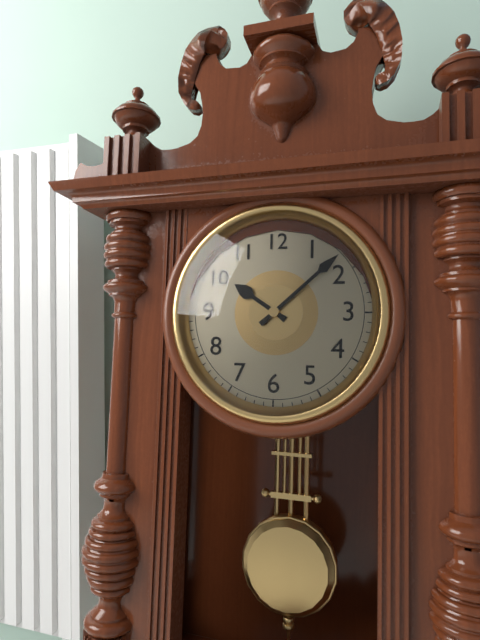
10,08
